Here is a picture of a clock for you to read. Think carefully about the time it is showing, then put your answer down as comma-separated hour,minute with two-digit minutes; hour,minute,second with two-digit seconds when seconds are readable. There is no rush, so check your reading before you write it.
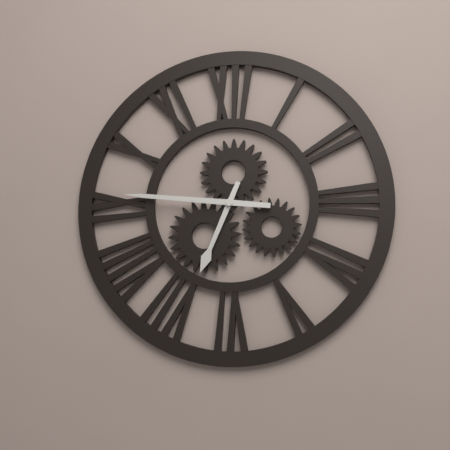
6,46
